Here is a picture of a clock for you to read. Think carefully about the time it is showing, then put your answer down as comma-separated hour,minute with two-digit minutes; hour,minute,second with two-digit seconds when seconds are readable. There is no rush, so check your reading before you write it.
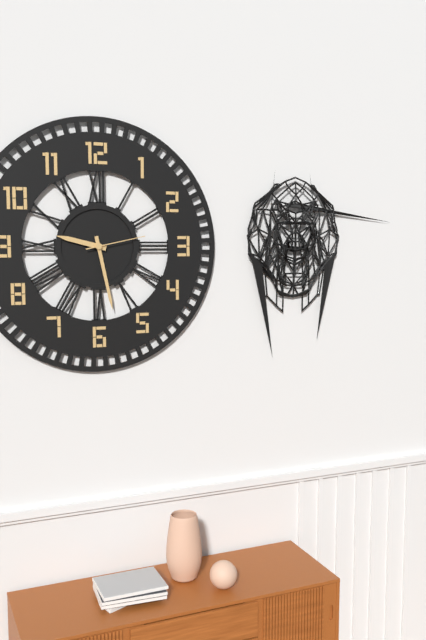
9,28,13
